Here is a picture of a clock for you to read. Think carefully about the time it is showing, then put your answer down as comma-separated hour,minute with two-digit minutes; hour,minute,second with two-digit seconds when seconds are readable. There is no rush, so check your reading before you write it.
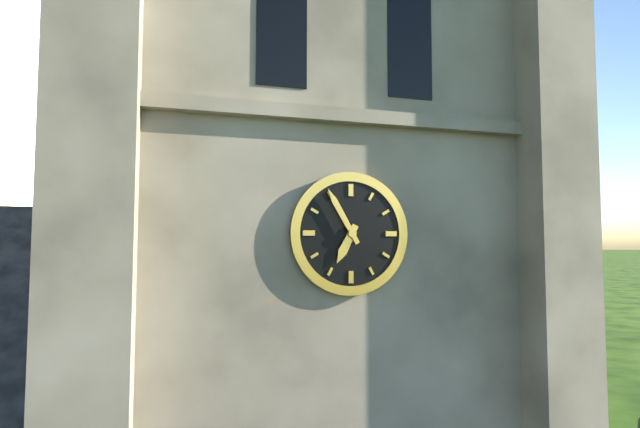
6,55
